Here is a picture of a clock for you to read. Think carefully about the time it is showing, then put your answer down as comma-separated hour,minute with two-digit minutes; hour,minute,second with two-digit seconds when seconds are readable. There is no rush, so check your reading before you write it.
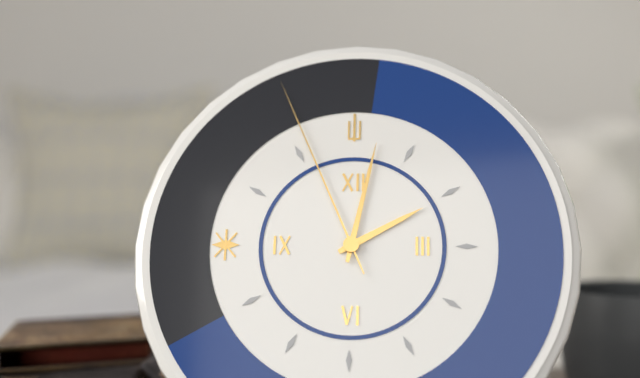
2,02,56
